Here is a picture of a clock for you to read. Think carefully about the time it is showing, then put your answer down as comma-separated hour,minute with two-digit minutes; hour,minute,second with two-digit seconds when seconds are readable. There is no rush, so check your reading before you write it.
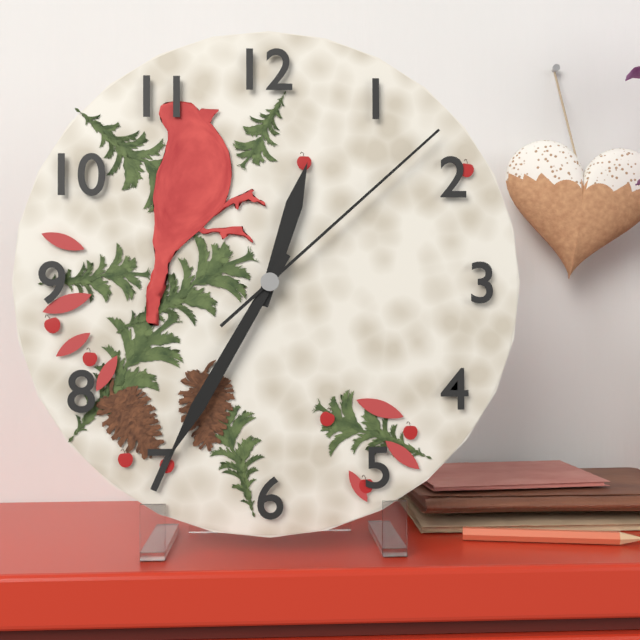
12,35,08
